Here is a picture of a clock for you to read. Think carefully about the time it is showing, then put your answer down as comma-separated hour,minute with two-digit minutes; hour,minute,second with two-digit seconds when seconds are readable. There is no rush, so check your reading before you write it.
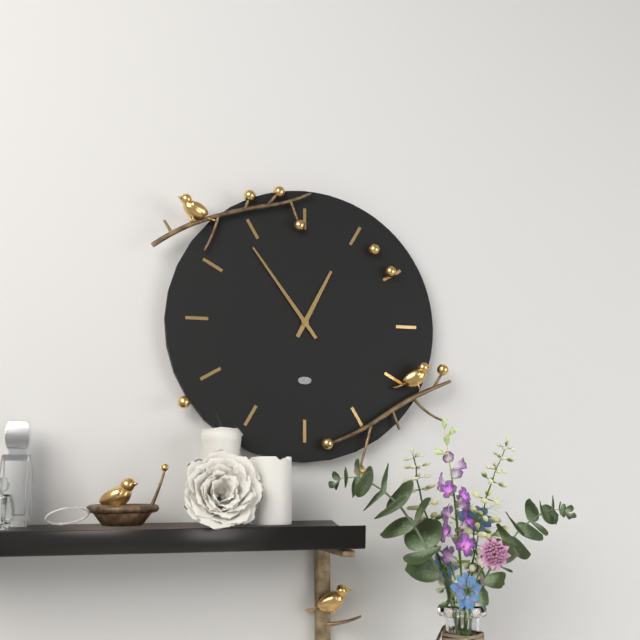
12,54
